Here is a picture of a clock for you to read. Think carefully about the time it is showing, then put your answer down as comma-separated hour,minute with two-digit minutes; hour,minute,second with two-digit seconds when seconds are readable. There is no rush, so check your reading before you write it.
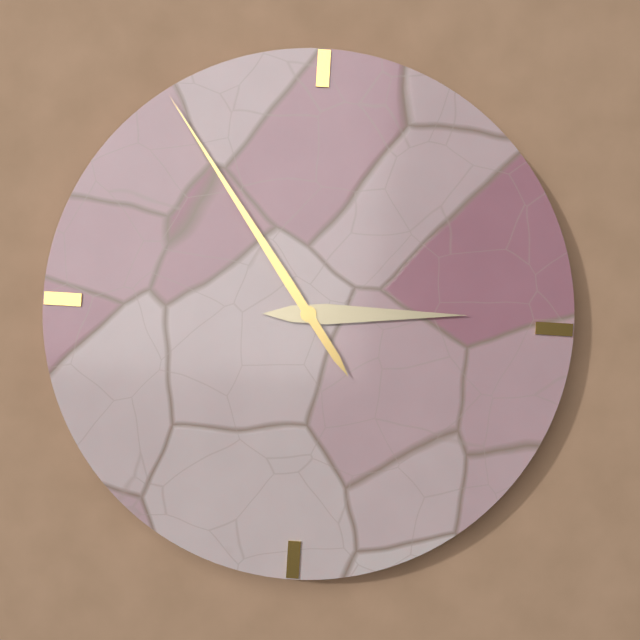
2,54
